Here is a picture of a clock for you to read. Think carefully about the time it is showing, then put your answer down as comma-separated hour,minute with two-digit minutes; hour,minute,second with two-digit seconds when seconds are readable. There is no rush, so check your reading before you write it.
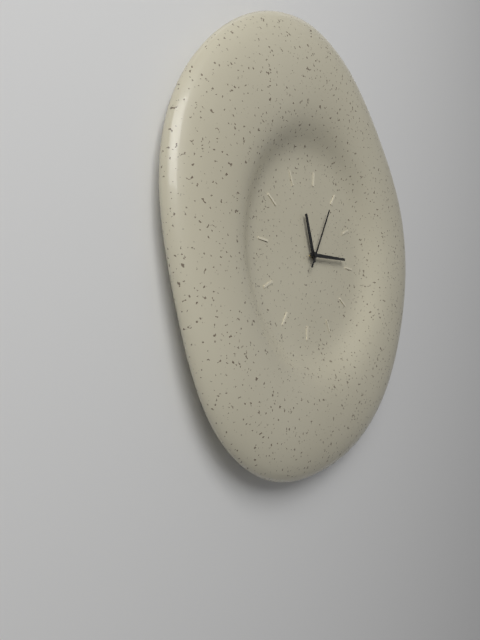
11,14,04
